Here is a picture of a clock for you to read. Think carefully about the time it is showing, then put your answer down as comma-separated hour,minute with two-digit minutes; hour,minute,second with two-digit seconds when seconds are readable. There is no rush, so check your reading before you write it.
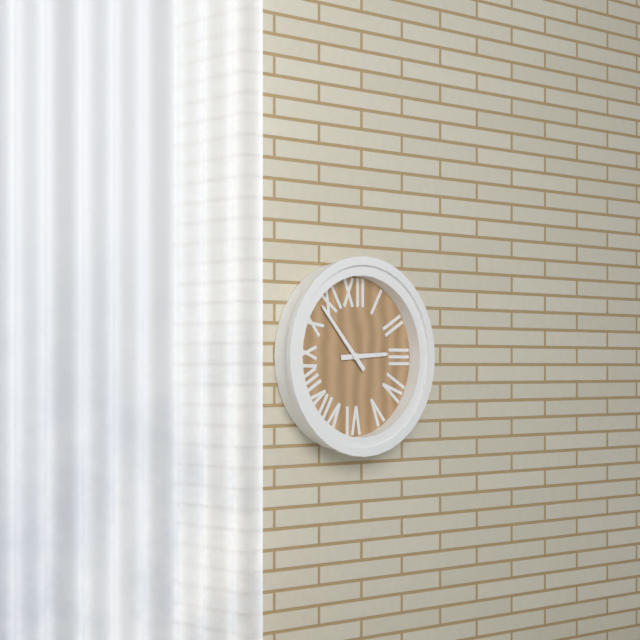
2,53
